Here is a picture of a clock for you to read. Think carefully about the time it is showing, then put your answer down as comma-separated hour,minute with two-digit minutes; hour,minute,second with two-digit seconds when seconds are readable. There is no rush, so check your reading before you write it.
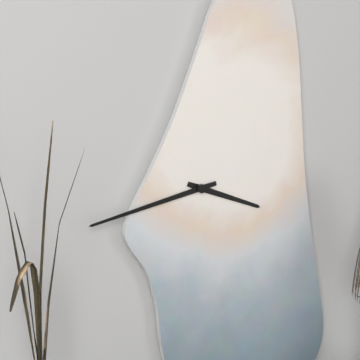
3,43
